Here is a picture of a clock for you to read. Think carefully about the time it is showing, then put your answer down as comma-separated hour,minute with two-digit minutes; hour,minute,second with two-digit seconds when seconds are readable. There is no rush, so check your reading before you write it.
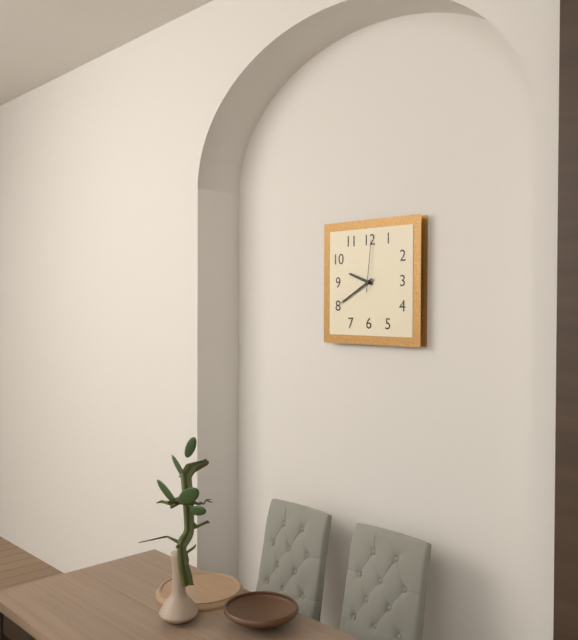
9,40,01
